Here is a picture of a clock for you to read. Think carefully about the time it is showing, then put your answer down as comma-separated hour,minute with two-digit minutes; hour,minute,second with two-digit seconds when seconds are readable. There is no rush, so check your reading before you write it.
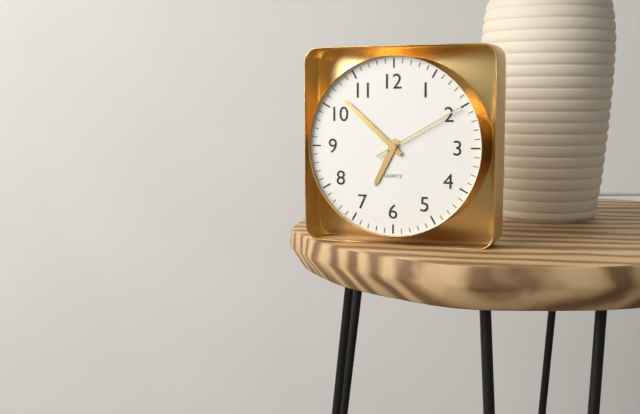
6,52,10
